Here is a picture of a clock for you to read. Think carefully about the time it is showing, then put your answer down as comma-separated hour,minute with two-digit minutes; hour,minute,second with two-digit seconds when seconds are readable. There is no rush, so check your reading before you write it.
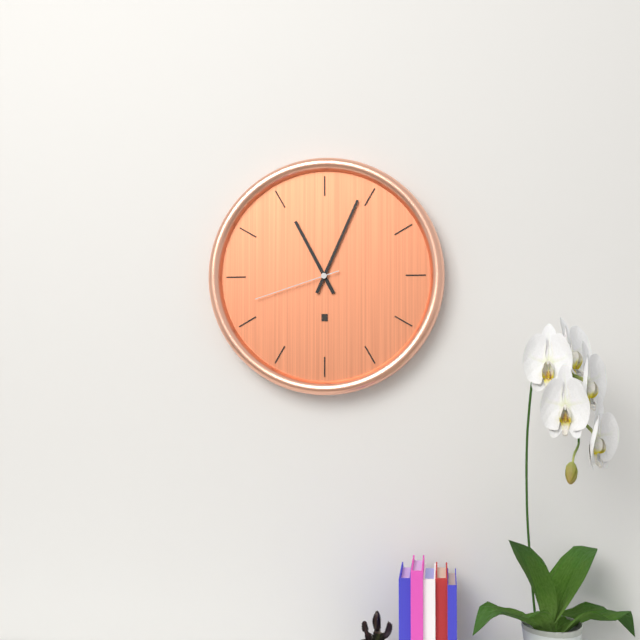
11,04,42
